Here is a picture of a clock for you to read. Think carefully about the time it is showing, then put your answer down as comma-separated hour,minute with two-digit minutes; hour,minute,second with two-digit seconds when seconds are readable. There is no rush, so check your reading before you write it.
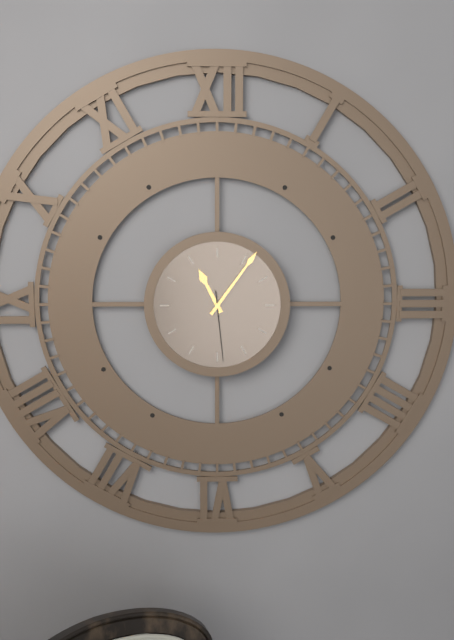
11,06,29
